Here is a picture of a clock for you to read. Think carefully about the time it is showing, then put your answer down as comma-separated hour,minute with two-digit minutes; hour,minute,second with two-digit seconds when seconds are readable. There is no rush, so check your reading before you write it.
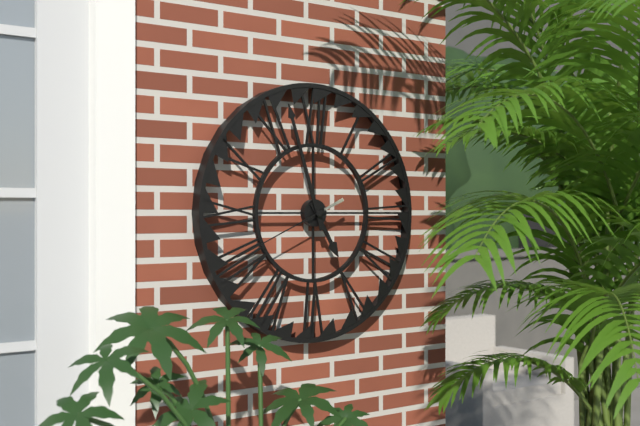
4,57,41
